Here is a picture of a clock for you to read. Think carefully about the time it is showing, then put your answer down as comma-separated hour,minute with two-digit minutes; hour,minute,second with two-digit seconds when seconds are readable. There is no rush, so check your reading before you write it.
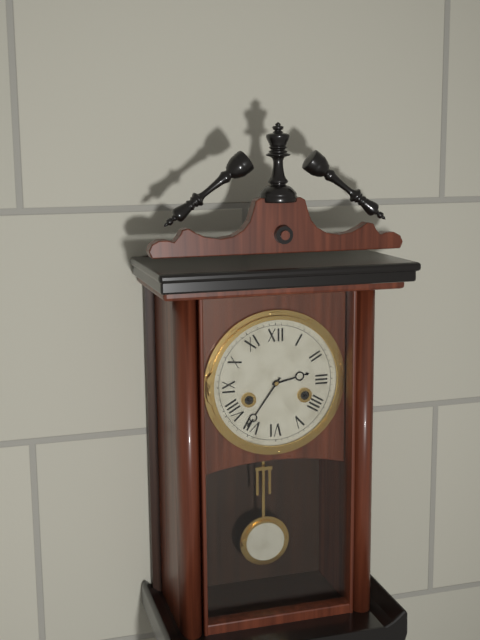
2,36
